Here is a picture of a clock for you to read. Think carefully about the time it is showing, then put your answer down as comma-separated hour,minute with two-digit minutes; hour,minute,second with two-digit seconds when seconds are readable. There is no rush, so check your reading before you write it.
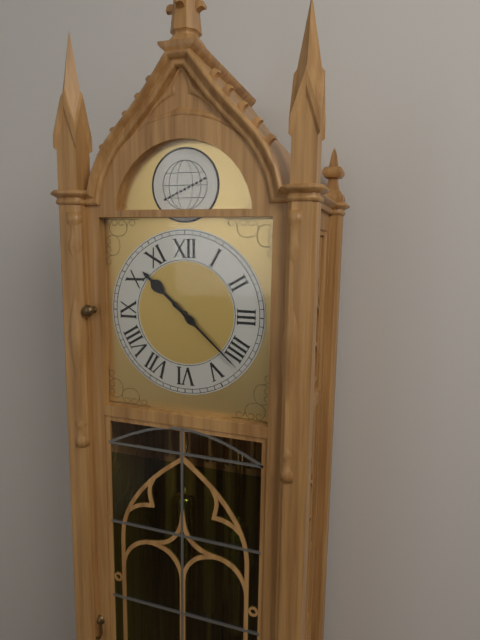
10,22
